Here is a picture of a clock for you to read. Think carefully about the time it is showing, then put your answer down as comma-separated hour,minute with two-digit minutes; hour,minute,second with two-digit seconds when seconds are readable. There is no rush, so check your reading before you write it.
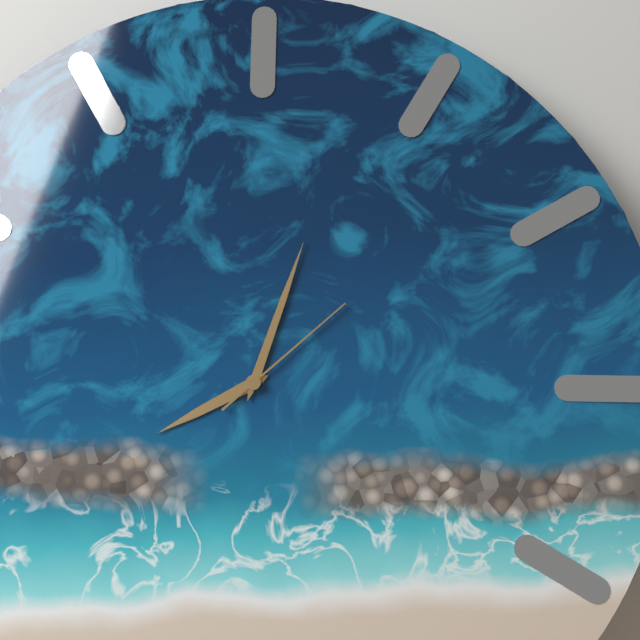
8,03,08
